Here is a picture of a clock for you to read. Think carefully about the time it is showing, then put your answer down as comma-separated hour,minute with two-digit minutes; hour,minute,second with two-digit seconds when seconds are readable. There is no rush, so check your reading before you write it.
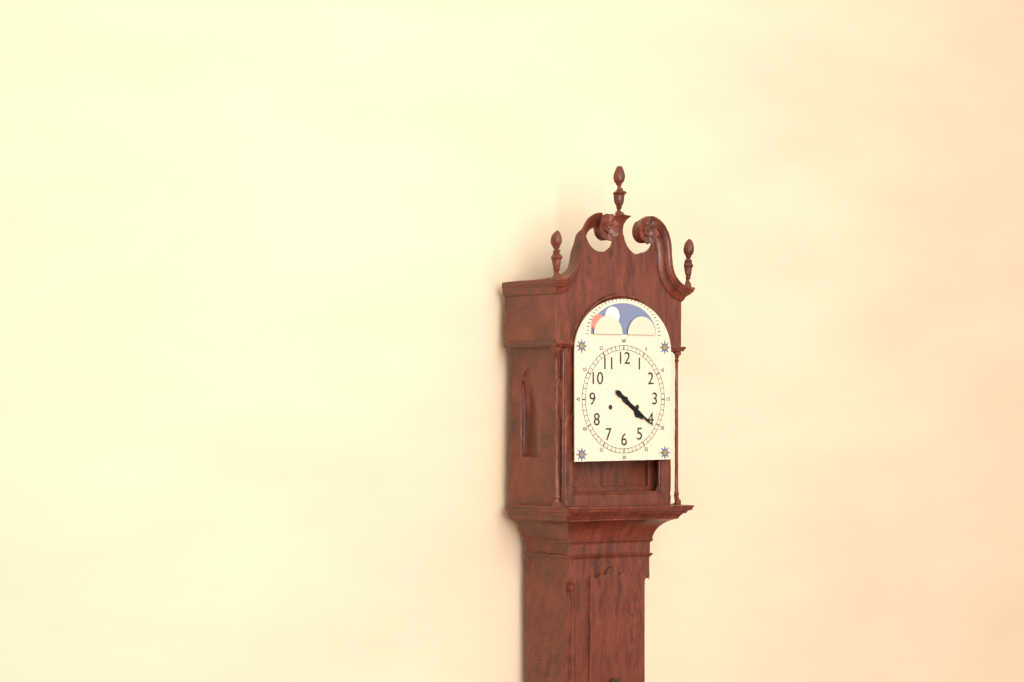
4,21
